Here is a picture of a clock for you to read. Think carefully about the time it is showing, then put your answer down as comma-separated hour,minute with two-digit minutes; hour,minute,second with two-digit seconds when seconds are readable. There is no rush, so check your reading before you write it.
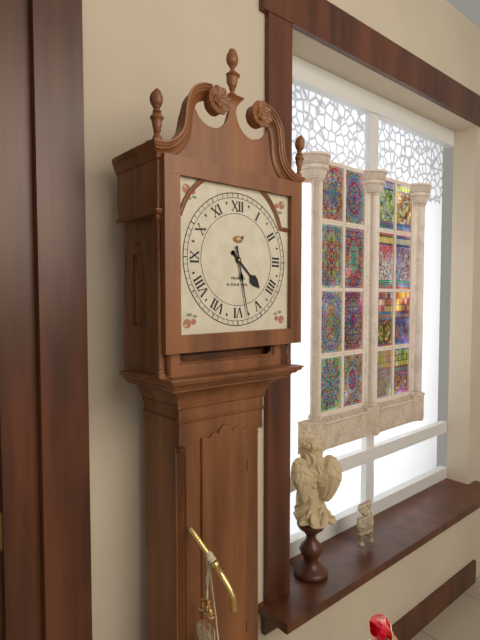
4,28
